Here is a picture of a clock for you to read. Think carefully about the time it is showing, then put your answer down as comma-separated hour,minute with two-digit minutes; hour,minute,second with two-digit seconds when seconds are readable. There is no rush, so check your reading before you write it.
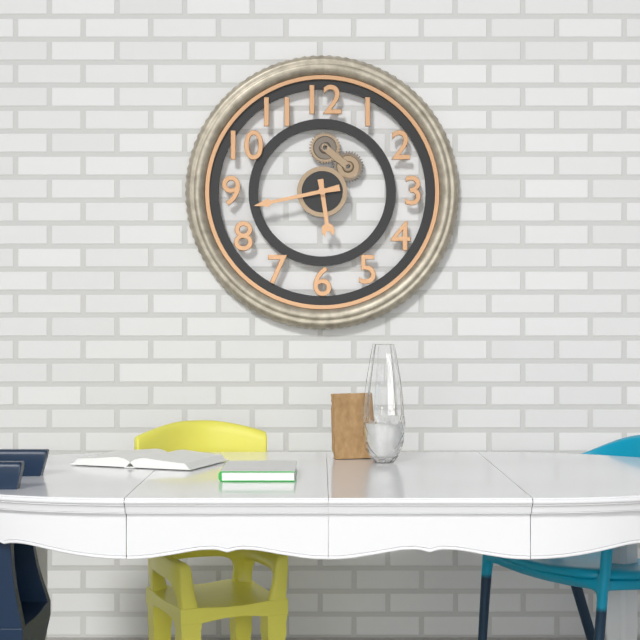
5,43
